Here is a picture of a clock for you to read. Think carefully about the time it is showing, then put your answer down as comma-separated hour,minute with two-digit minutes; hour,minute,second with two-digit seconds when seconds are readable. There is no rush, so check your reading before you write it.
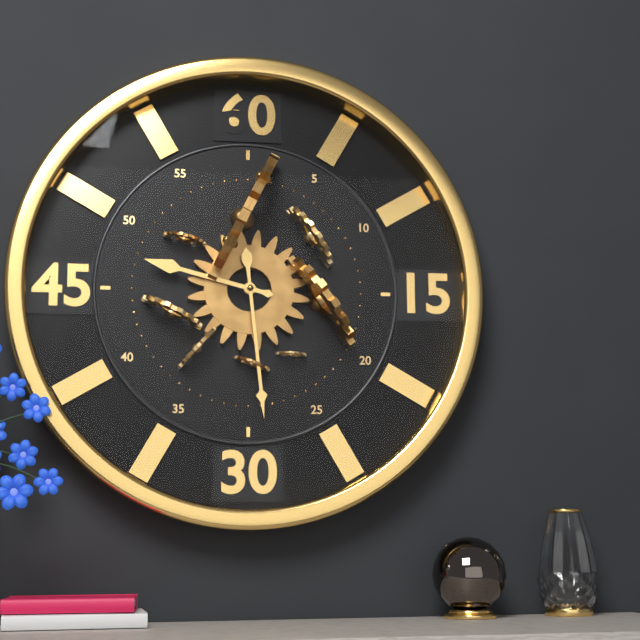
9,29
